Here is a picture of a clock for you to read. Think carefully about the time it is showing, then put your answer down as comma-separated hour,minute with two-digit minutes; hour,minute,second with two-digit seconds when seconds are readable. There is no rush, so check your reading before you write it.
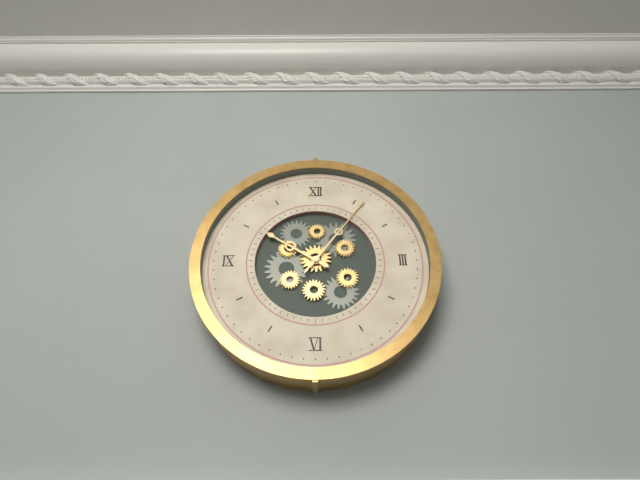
10,06
